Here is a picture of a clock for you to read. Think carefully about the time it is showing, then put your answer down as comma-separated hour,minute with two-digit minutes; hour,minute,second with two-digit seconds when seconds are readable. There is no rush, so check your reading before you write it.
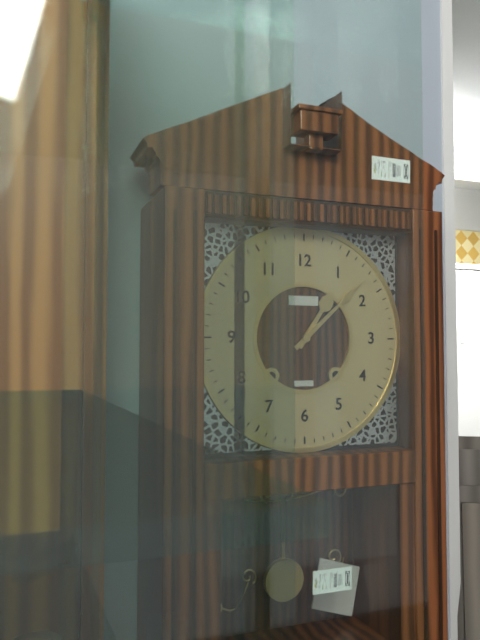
1,08
